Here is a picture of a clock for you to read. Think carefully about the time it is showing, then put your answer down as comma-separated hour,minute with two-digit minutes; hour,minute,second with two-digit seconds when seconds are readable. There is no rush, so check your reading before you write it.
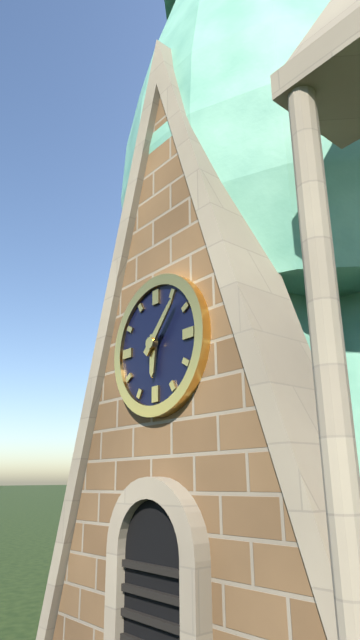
6,07
